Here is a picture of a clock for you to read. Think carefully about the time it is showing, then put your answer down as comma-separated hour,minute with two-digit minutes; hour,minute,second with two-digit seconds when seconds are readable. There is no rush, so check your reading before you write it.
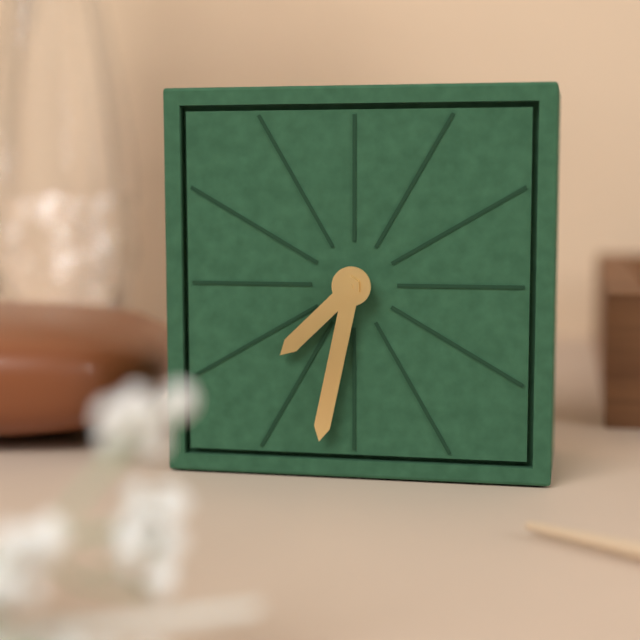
7,32
